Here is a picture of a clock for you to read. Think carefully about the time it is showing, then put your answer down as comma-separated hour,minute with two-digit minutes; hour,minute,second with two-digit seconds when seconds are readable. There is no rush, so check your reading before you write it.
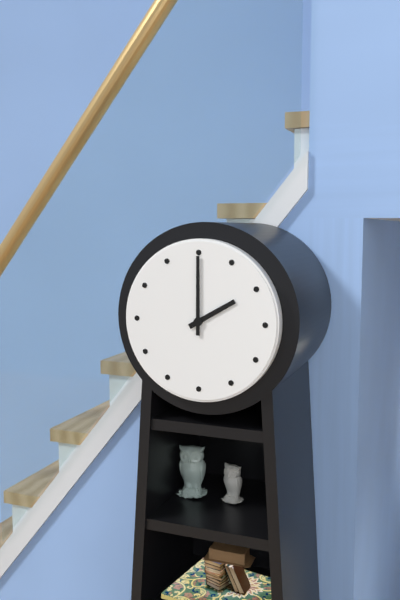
2,00
